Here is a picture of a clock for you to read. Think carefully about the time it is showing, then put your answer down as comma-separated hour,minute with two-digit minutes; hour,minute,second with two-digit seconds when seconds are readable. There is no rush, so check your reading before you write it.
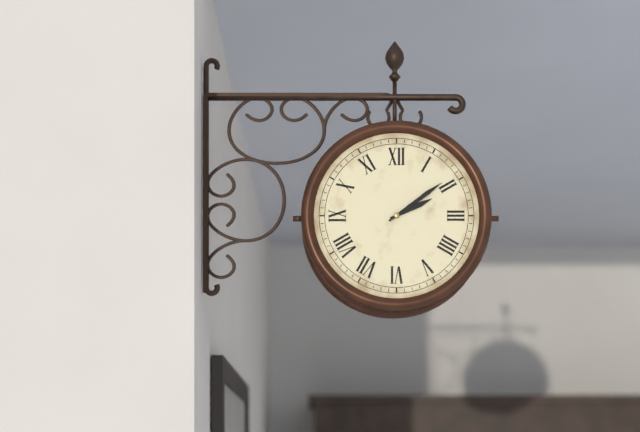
2,09
